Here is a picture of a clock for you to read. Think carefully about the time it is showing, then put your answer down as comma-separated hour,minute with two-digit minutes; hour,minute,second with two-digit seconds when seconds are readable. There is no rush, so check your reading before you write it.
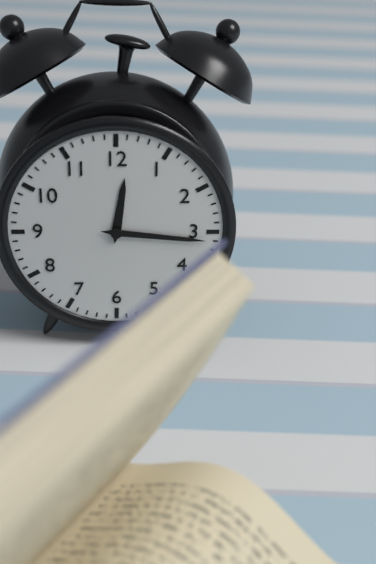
12,16
